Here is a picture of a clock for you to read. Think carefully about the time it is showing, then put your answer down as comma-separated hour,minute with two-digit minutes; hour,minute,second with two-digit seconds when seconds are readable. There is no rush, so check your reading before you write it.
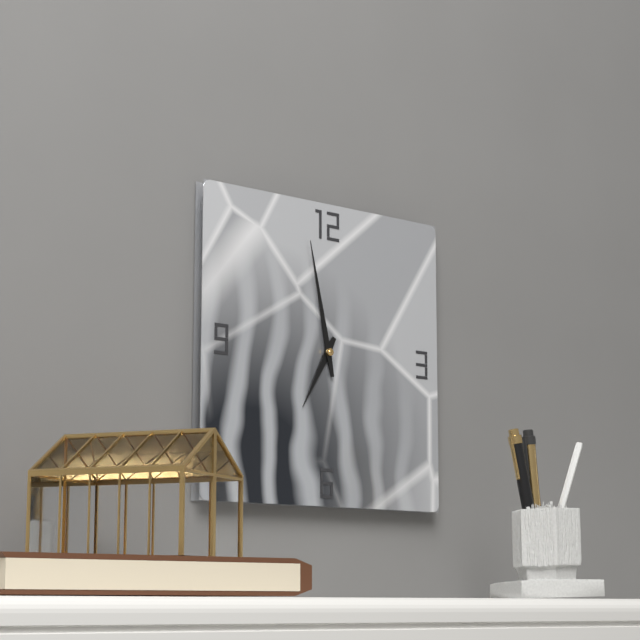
6,58
